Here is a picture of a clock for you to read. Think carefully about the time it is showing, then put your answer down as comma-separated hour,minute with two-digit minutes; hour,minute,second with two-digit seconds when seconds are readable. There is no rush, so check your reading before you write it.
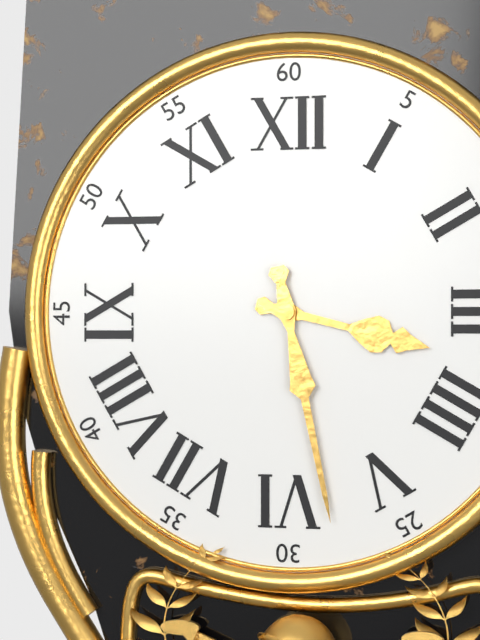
3,28
